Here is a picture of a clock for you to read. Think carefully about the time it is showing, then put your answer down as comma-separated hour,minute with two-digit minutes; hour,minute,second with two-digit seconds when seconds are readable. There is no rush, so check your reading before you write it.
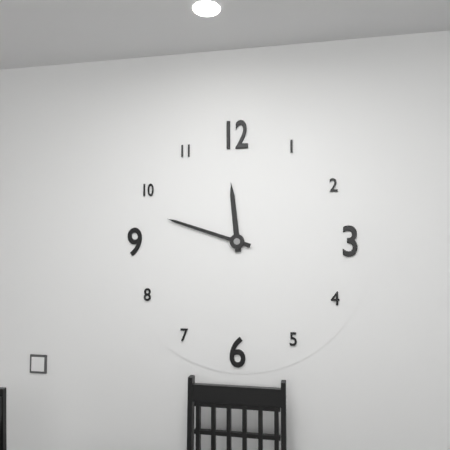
11,48
